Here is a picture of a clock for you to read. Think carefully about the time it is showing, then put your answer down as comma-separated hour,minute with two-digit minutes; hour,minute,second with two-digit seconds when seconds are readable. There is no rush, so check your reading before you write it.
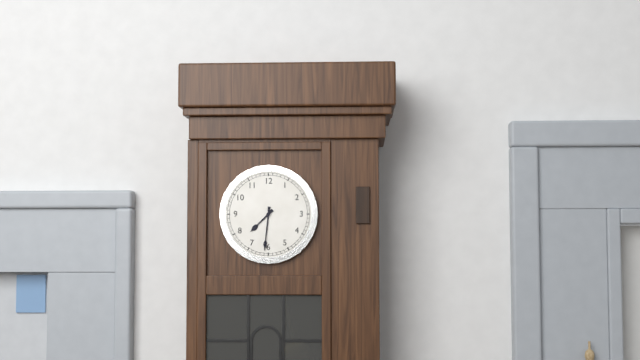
7,31
